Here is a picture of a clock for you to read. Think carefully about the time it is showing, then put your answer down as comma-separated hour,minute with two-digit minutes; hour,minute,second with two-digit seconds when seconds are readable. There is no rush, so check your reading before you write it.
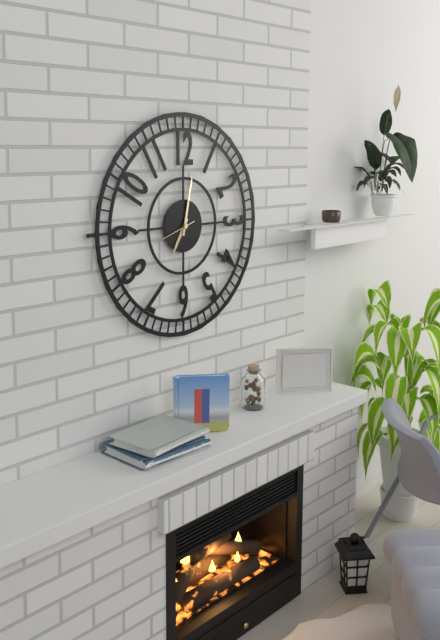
7,02
